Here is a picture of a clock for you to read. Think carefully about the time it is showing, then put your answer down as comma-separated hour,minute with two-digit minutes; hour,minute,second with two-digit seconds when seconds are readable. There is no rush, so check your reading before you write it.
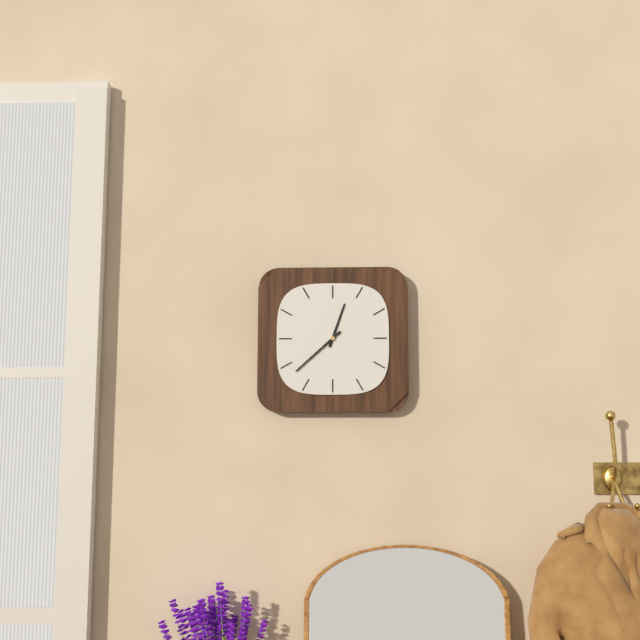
12,38
